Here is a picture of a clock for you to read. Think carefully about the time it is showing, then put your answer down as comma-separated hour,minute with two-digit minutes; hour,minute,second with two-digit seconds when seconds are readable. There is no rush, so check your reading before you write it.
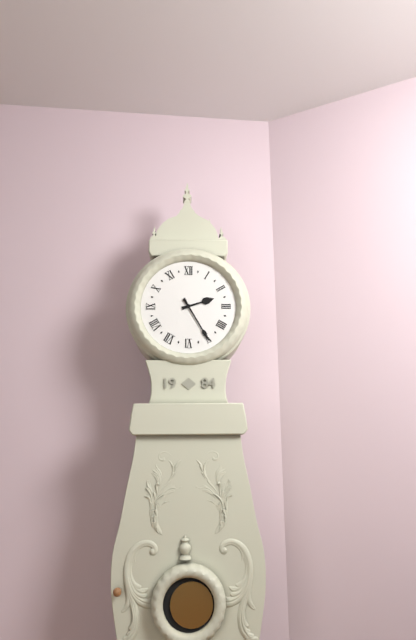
2,25
